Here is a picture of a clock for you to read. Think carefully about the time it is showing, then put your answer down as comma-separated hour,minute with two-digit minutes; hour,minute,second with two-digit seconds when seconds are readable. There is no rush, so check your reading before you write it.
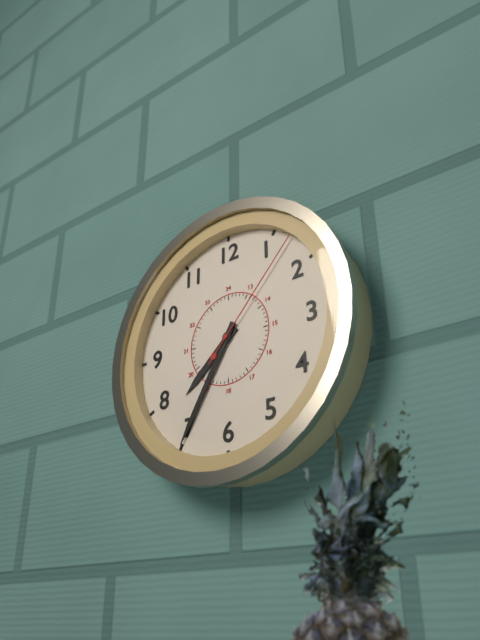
7,35,07
